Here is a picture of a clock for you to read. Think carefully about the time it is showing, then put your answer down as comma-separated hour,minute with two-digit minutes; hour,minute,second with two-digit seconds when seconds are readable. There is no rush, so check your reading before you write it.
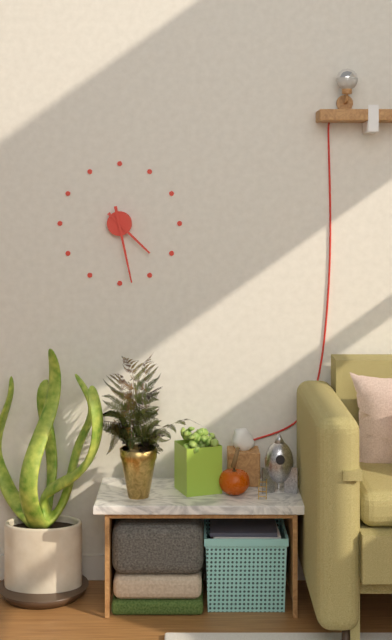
4,28
